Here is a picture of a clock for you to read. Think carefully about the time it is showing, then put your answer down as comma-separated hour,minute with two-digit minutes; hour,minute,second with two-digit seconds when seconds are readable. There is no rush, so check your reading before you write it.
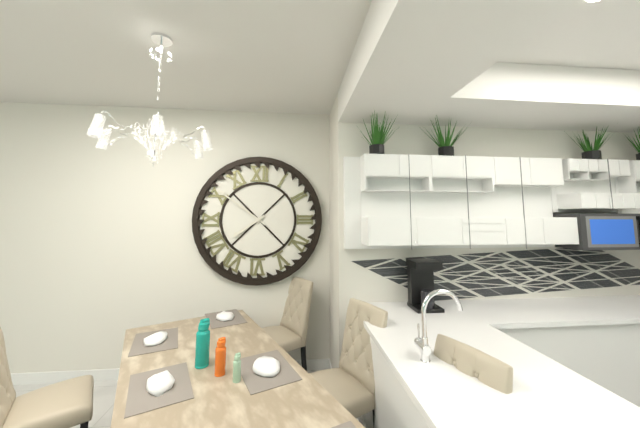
7,51
